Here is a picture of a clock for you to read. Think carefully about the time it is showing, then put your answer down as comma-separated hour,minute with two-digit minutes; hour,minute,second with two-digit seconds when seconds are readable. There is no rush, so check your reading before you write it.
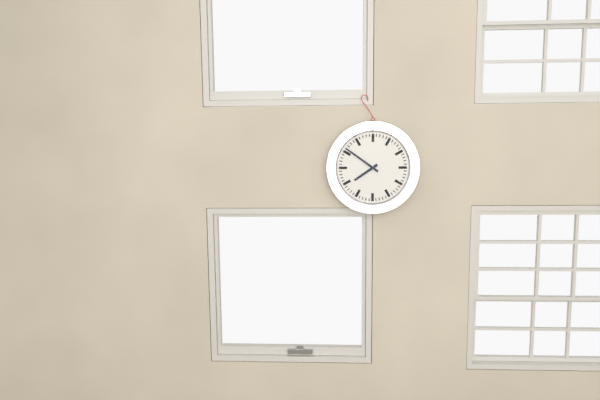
7,51
